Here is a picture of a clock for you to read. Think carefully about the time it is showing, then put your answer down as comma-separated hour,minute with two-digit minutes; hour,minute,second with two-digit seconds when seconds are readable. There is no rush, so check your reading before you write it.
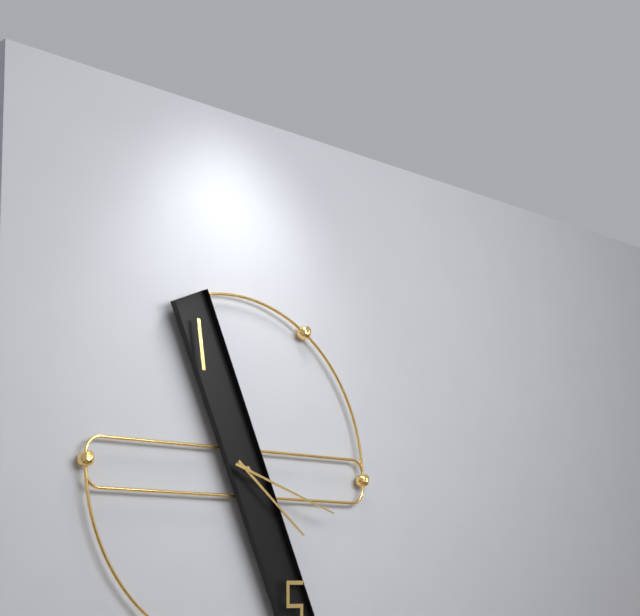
4,18
